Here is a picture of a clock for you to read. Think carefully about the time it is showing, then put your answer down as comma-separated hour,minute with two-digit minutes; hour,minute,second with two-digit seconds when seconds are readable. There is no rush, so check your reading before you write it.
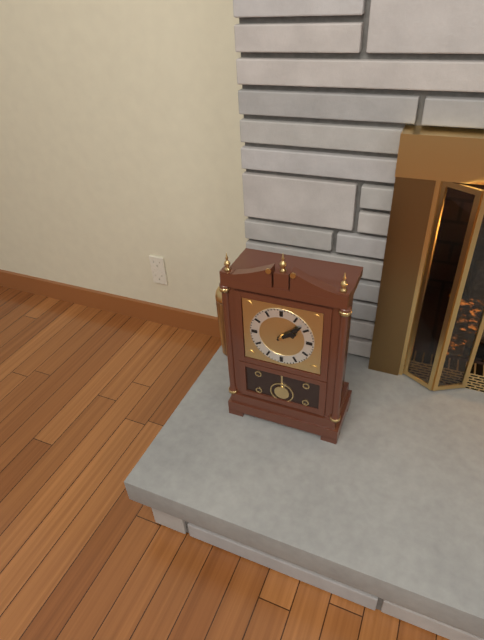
2,08
